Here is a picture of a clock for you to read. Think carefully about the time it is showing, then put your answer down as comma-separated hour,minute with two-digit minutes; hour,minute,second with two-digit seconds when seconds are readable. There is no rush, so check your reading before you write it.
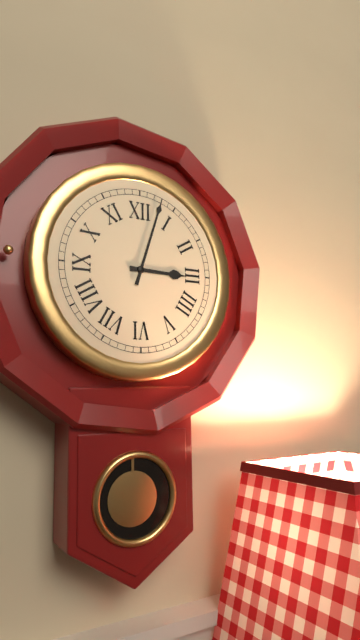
3,03
